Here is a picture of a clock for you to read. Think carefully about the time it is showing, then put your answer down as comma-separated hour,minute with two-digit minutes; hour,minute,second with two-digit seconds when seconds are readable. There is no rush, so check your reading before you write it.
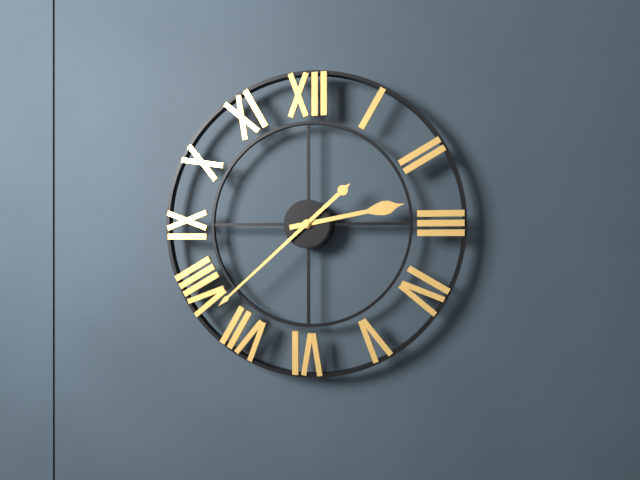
2,38
